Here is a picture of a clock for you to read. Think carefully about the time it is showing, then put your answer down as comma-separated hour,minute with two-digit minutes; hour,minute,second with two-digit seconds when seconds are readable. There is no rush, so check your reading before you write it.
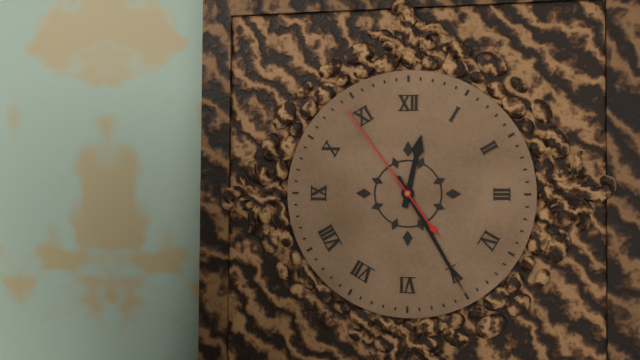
12,25,54
